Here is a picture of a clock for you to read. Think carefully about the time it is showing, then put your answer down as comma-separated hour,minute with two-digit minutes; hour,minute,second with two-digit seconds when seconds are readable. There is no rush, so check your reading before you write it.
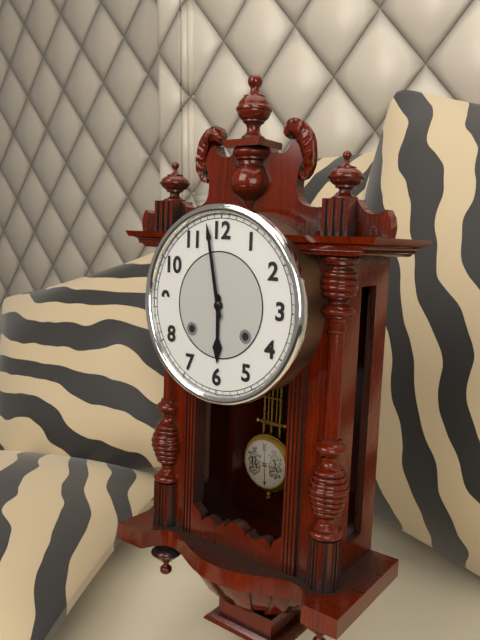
5,58
